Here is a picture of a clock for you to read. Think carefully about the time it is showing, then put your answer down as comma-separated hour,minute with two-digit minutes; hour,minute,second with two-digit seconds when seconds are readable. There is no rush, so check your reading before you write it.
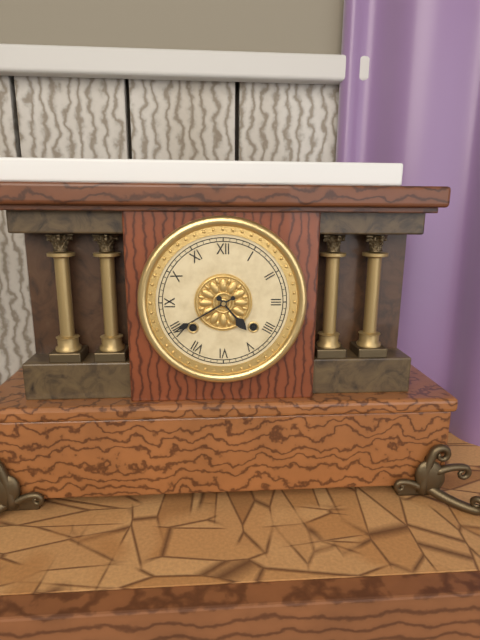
4,40
